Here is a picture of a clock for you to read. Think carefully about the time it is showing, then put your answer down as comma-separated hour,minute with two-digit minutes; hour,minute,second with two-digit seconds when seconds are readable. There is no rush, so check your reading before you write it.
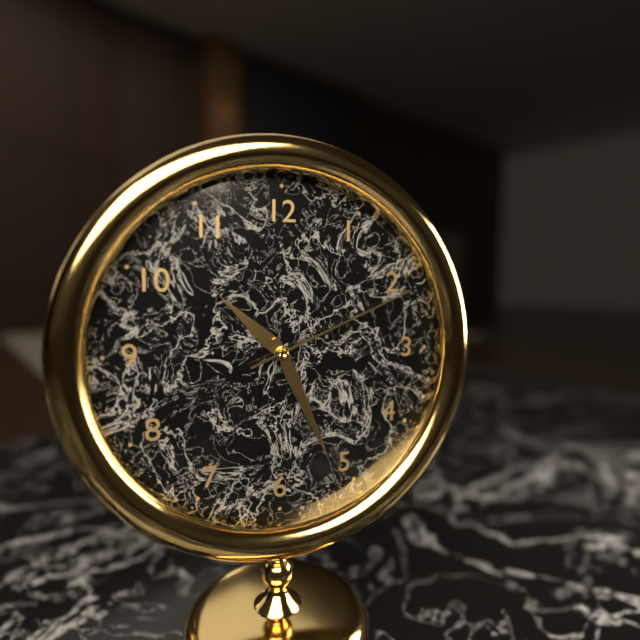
10,26,11
